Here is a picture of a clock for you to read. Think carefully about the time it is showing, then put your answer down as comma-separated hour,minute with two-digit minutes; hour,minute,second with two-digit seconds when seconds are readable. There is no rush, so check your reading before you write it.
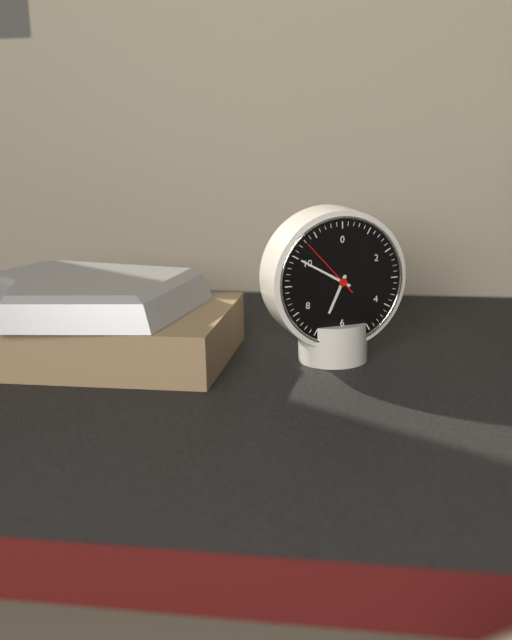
6,50,53
